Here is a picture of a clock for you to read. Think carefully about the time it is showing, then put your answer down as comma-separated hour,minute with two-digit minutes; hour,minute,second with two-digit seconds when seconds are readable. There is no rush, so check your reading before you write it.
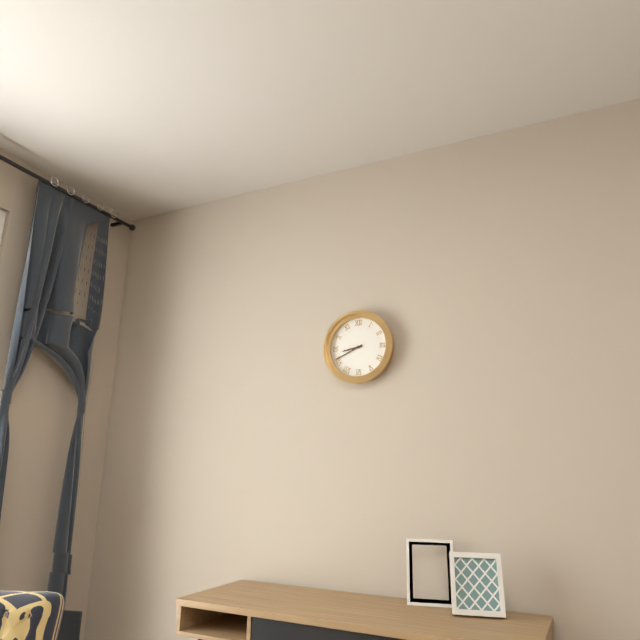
8,41
